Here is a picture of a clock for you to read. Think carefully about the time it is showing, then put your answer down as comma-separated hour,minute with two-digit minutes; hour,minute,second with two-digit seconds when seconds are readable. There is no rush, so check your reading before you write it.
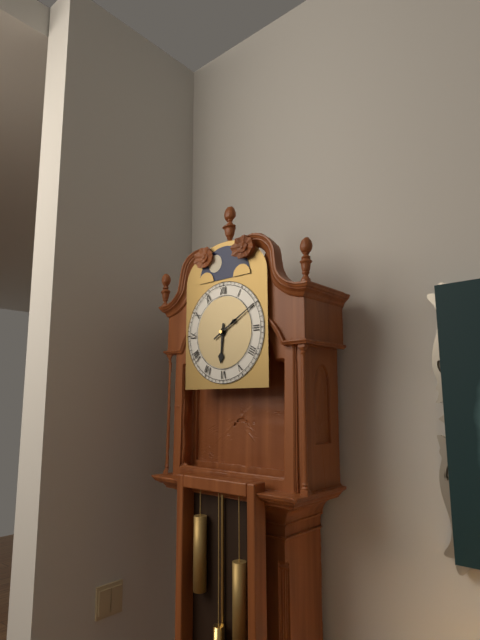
6,10
